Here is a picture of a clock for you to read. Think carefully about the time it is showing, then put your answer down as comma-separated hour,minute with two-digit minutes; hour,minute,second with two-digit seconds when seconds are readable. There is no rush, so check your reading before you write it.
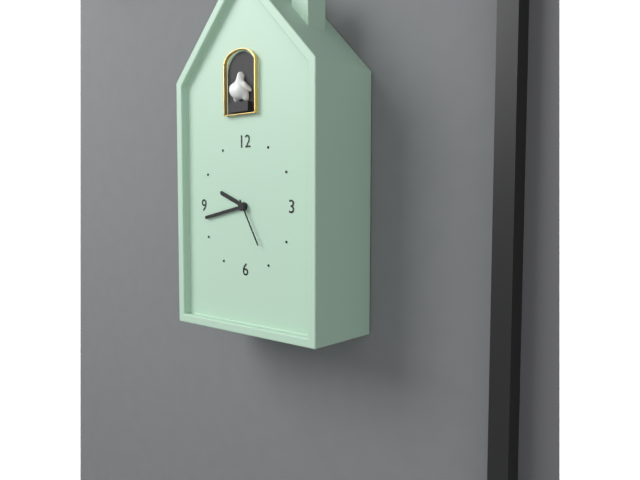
9,43,25
